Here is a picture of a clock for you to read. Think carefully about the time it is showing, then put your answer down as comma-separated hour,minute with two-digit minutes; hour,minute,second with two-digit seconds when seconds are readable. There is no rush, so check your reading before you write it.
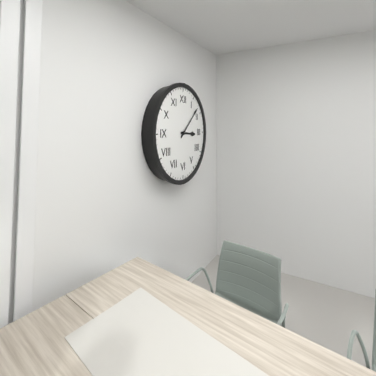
3,08
